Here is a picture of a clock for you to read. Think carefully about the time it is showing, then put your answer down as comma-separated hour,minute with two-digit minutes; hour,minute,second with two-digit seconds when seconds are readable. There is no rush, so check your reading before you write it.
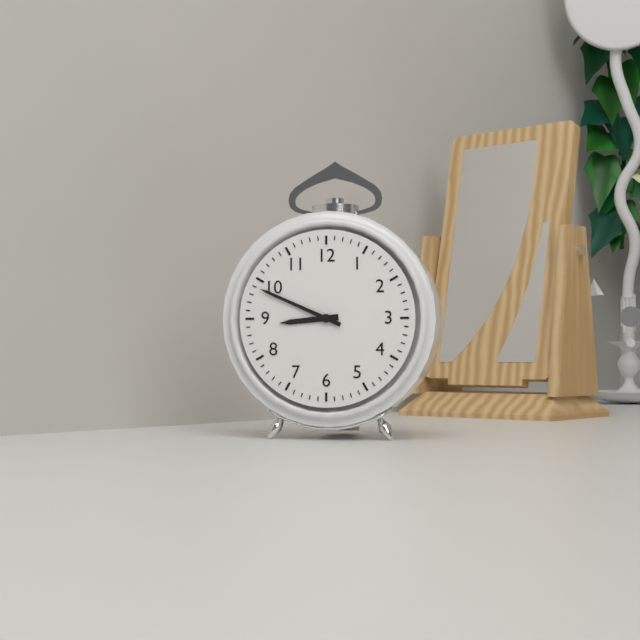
8,49
